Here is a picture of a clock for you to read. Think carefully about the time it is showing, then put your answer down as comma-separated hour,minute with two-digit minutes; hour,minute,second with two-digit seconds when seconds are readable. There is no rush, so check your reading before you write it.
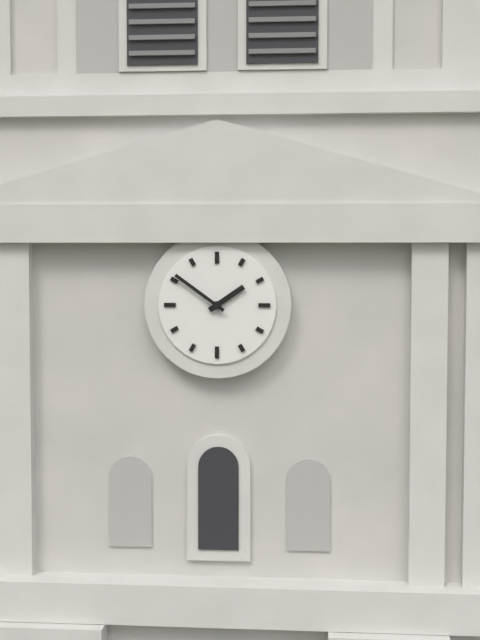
1,51
